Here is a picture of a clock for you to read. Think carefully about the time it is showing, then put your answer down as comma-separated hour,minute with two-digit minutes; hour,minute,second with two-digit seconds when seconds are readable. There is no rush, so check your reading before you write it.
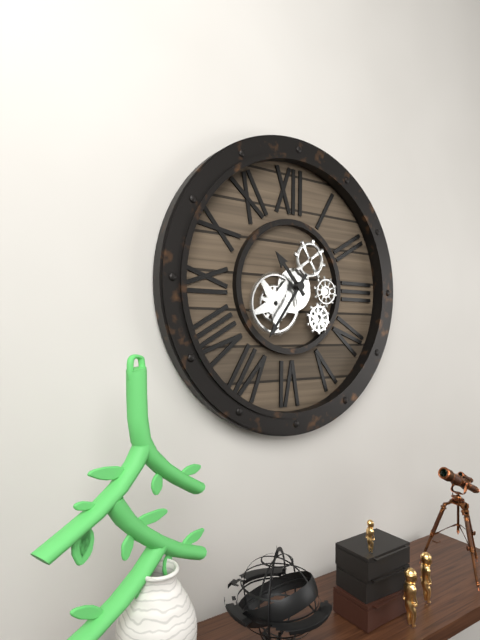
10,36
